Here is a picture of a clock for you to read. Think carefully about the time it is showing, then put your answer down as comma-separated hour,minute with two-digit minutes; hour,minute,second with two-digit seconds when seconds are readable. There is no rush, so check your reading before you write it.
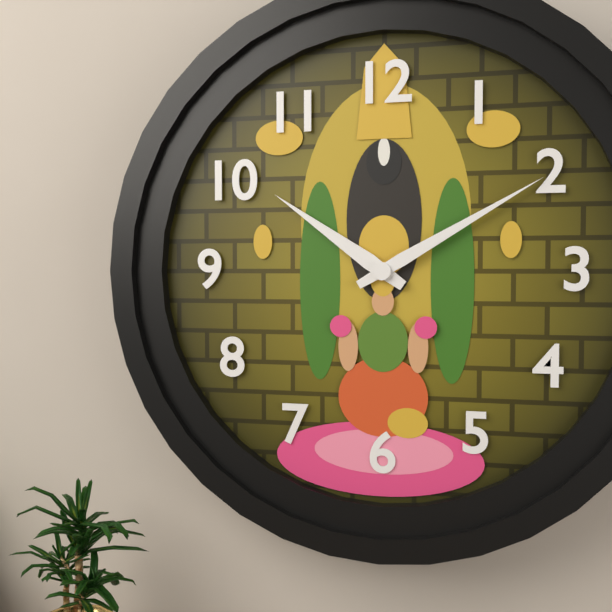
10,10
